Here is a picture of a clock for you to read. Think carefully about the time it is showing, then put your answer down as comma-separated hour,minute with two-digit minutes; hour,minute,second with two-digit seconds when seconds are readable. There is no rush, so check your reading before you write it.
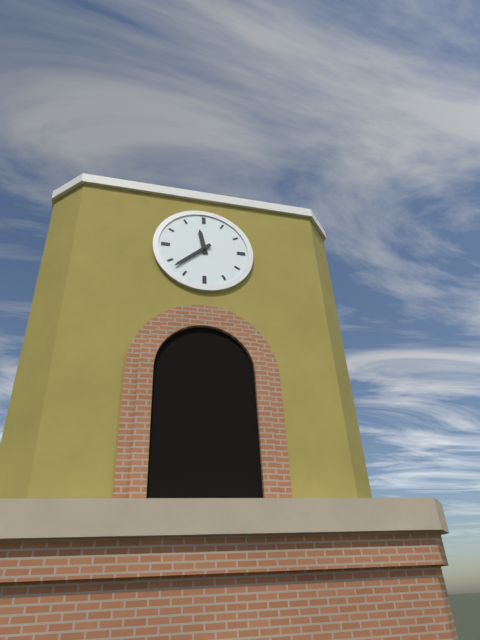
11,38
